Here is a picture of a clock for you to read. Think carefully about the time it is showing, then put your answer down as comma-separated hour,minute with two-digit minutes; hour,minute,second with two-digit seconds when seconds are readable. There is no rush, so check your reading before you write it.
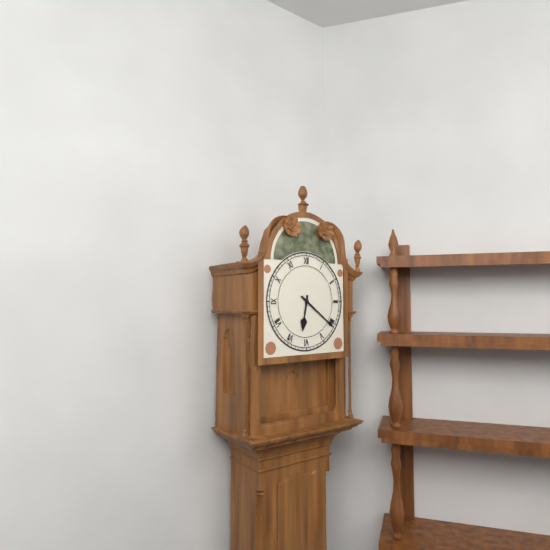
6,21
